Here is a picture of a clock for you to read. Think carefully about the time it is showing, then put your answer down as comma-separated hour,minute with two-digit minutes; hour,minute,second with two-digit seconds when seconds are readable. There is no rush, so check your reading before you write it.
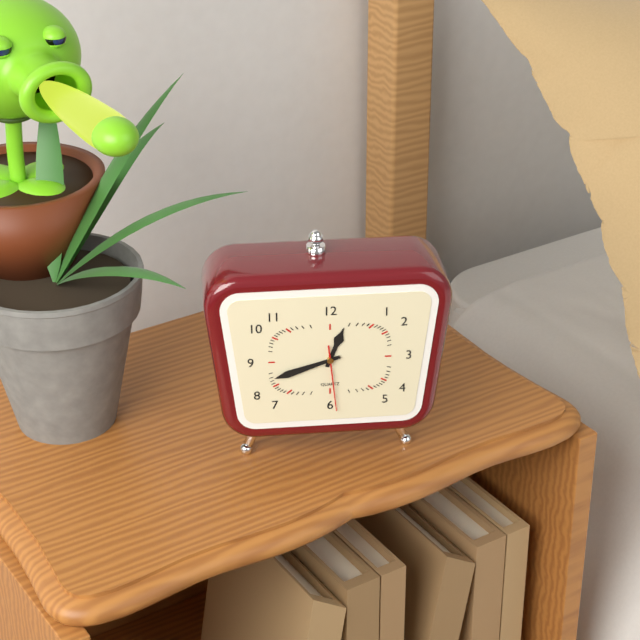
12,42,29
